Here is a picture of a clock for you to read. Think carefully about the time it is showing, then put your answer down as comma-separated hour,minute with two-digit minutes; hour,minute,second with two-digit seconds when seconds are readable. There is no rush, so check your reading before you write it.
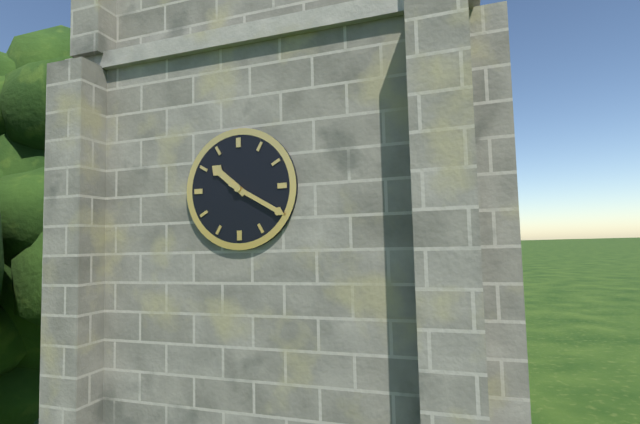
10,20
